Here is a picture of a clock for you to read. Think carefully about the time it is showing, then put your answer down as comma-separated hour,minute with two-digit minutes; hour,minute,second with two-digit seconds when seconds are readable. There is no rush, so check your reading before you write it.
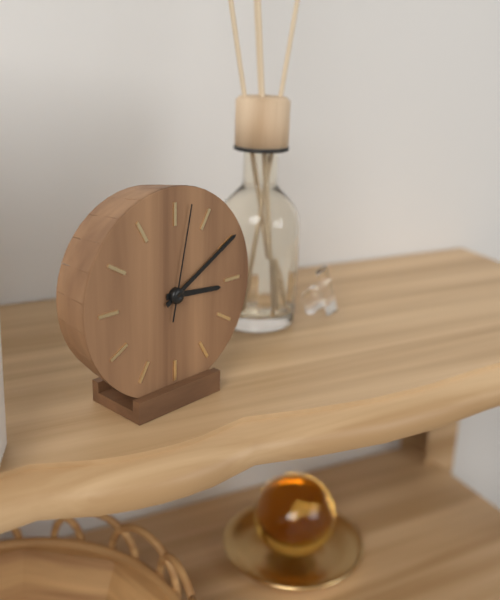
3,10,02
